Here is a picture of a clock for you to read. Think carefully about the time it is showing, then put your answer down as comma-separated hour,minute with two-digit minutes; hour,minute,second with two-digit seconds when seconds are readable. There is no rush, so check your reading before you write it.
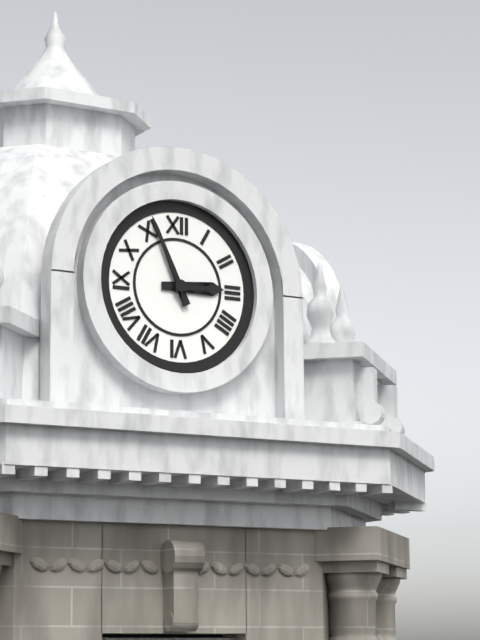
2,56
